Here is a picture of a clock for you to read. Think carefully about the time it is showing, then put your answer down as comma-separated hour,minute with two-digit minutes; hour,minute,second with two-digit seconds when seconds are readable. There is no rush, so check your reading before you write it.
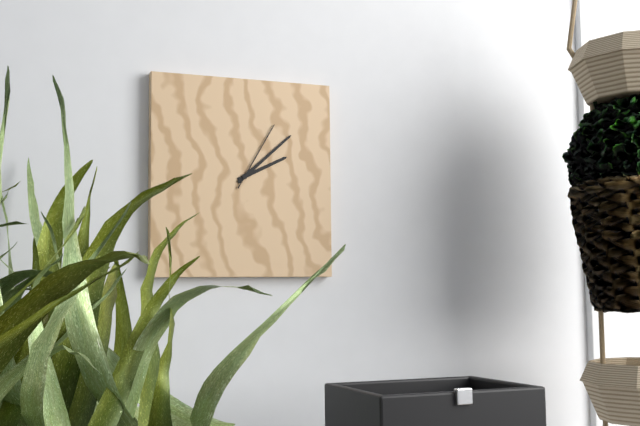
2,08,05
